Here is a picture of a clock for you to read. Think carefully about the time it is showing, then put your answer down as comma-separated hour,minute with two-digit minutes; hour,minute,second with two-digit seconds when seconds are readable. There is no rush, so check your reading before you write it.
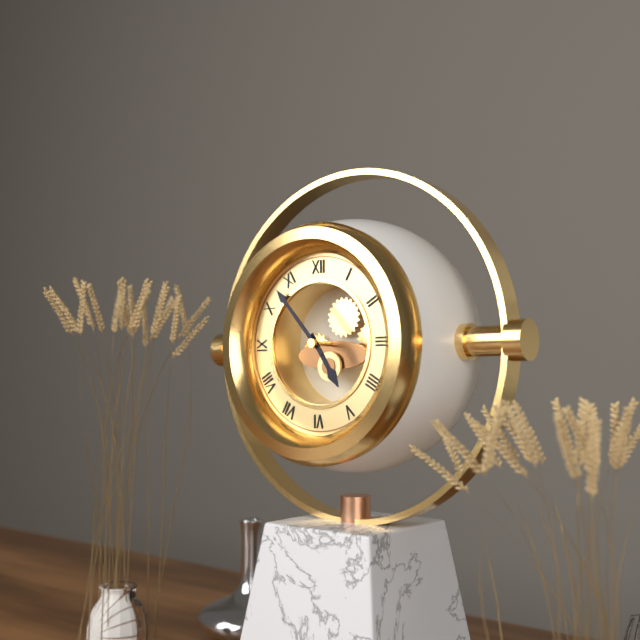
4,53
